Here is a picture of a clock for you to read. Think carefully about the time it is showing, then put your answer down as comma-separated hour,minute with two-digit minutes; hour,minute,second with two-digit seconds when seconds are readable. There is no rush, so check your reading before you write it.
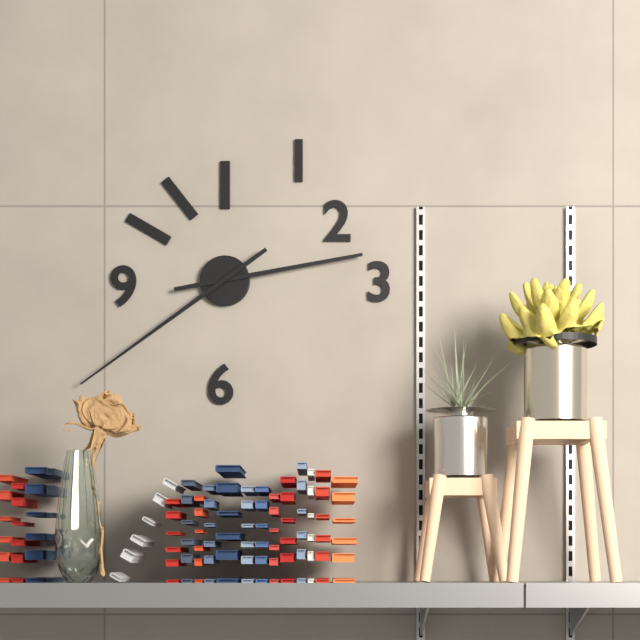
2,39
